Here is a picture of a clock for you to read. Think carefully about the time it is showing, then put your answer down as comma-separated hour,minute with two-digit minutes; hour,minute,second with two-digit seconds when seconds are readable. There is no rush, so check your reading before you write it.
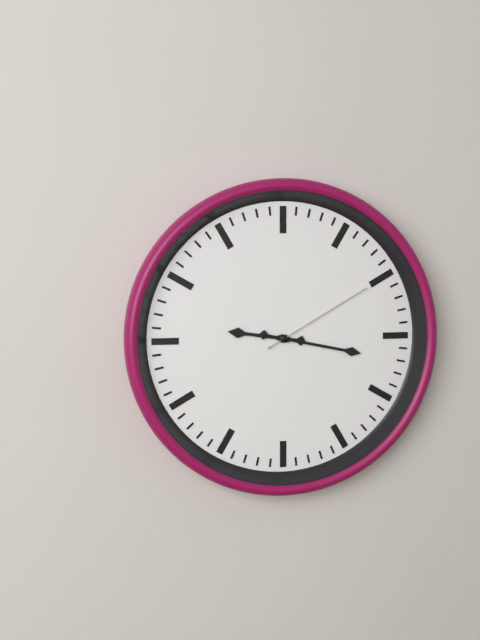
9,17,10
